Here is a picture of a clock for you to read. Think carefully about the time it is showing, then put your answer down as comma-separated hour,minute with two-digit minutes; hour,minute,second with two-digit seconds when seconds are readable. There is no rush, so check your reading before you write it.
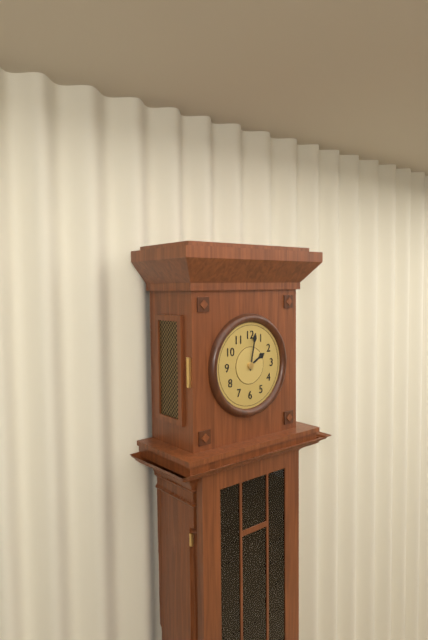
2,02
